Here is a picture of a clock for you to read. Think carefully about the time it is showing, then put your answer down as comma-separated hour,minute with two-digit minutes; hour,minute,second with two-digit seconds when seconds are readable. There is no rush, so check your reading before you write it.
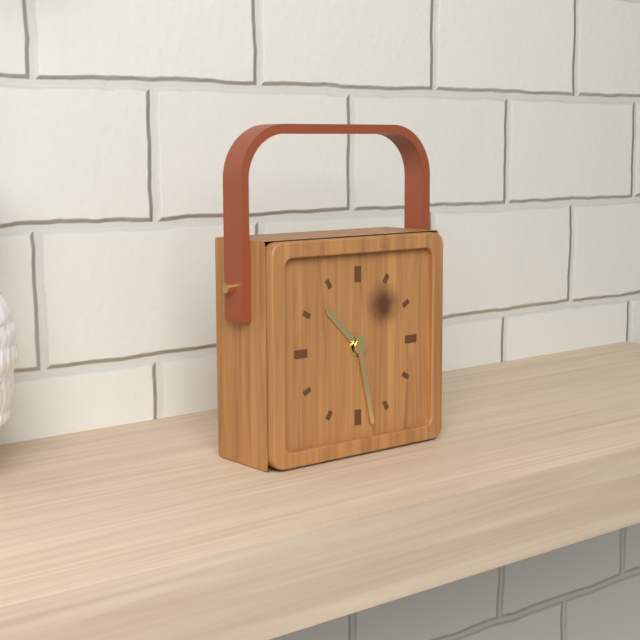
10,28
